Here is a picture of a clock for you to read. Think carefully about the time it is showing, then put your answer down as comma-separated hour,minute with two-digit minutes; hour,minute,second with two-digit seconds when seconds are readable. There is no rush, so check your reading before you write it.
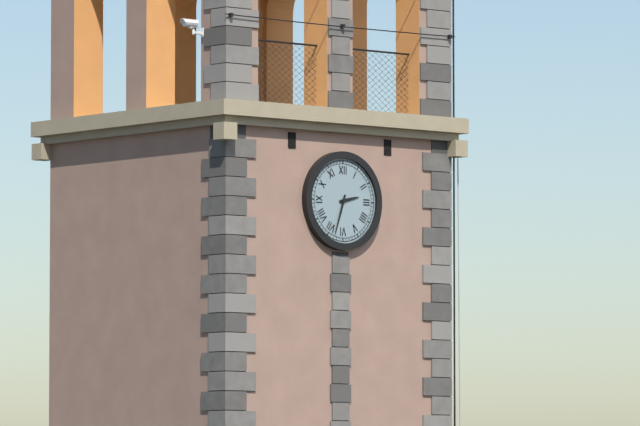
2,33
